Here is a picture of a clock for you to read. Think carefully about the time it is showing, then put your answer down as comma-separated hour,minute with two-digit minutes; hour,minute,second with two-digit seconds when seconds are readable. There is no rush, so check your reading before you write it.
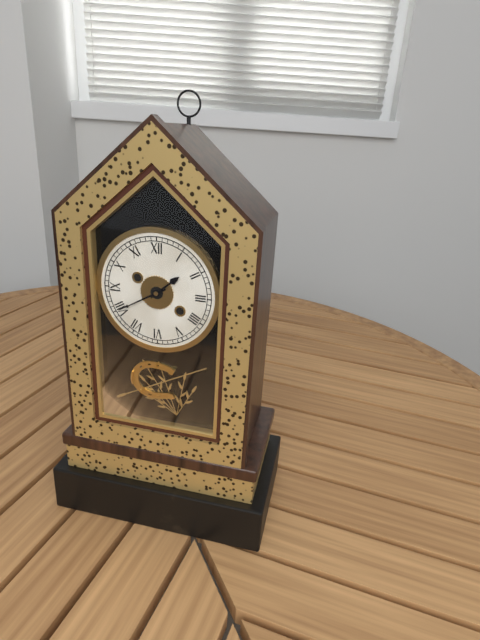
1,40
